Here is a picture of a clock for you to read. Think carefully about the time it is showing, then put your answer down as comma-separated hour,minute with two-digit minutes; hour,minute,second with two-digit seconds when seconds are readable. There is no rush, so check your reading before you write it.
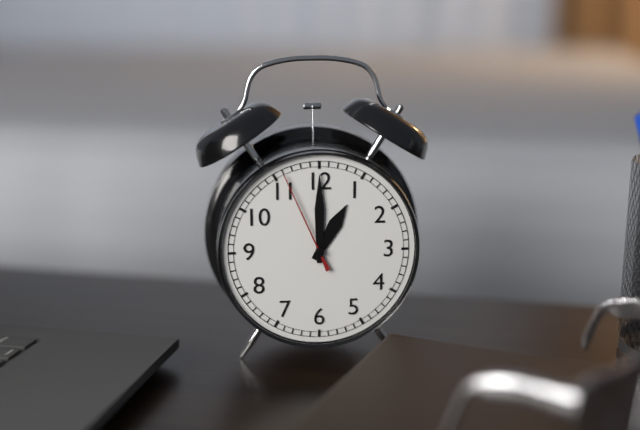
1,00,56
